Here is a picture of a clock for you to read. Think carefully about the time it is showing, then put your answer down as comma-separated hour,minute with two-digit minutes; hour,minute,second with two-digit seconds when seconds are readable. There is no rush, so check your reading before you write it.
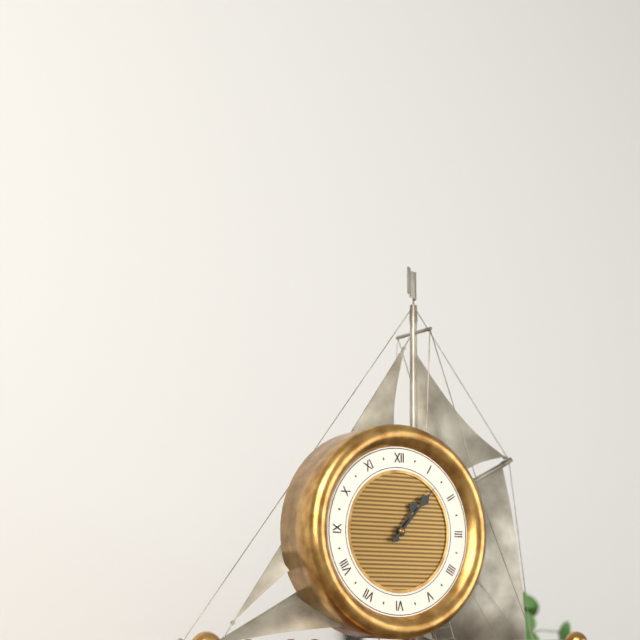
1,07
